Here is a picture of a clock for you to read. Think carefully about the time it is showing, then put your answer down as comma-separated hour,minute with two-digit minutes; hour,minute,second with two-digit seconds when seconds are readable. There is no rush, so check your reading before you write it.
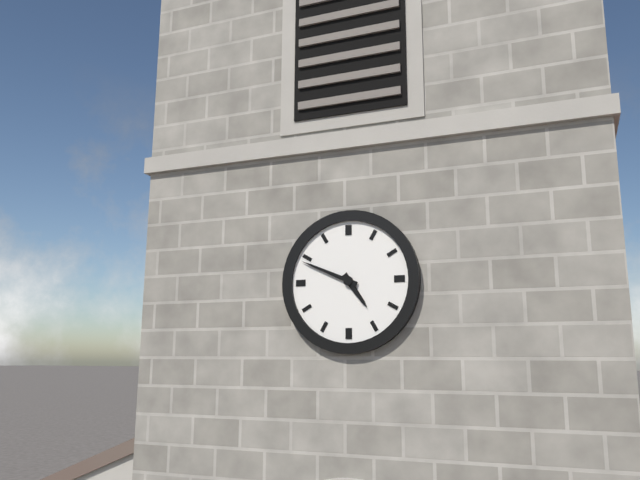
4,49
